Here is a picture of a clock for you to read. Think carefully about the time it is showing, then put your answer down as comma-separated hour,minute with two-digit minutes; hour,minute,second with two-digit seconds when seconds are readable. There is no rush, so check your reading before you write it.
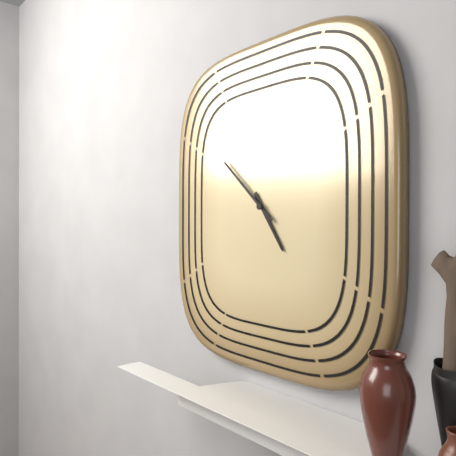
4,52
